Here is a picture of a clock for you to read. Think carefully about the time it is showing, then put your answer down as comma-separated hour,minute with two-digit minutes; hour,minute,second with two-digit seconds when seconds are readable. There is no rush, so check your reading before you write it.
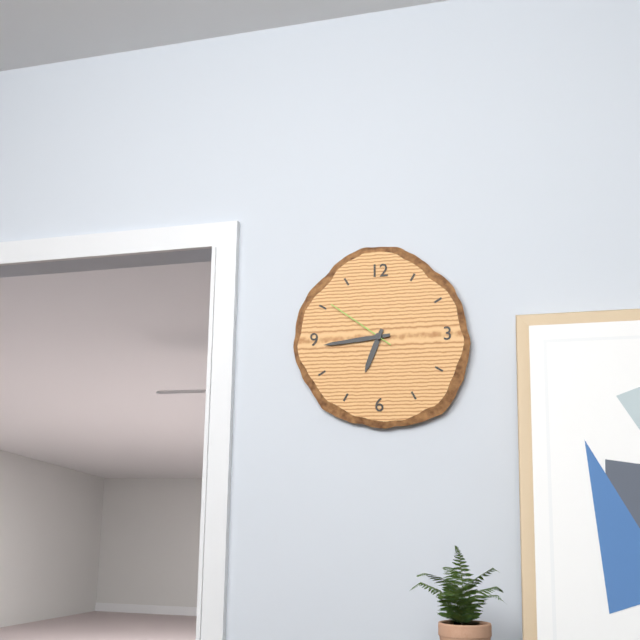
6,44,51
